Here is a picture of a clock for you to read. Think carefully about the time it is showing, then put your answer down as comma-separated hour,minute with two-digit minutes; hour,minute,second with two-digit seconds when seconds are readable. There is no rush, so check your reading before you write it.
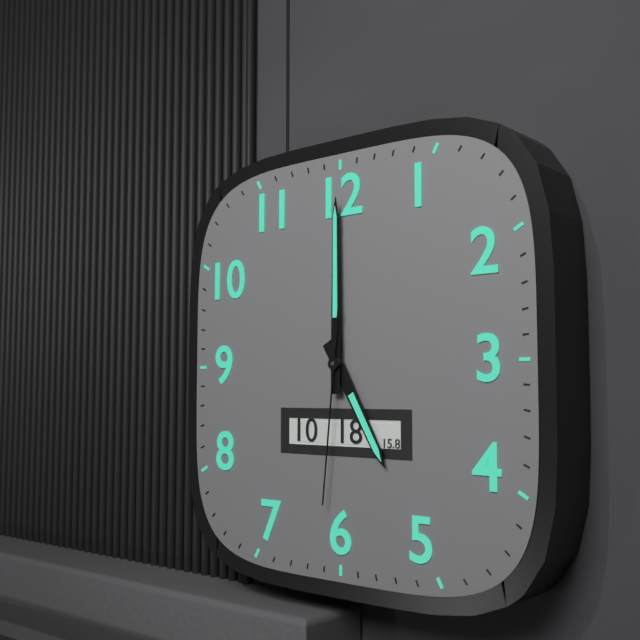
5,00,31
